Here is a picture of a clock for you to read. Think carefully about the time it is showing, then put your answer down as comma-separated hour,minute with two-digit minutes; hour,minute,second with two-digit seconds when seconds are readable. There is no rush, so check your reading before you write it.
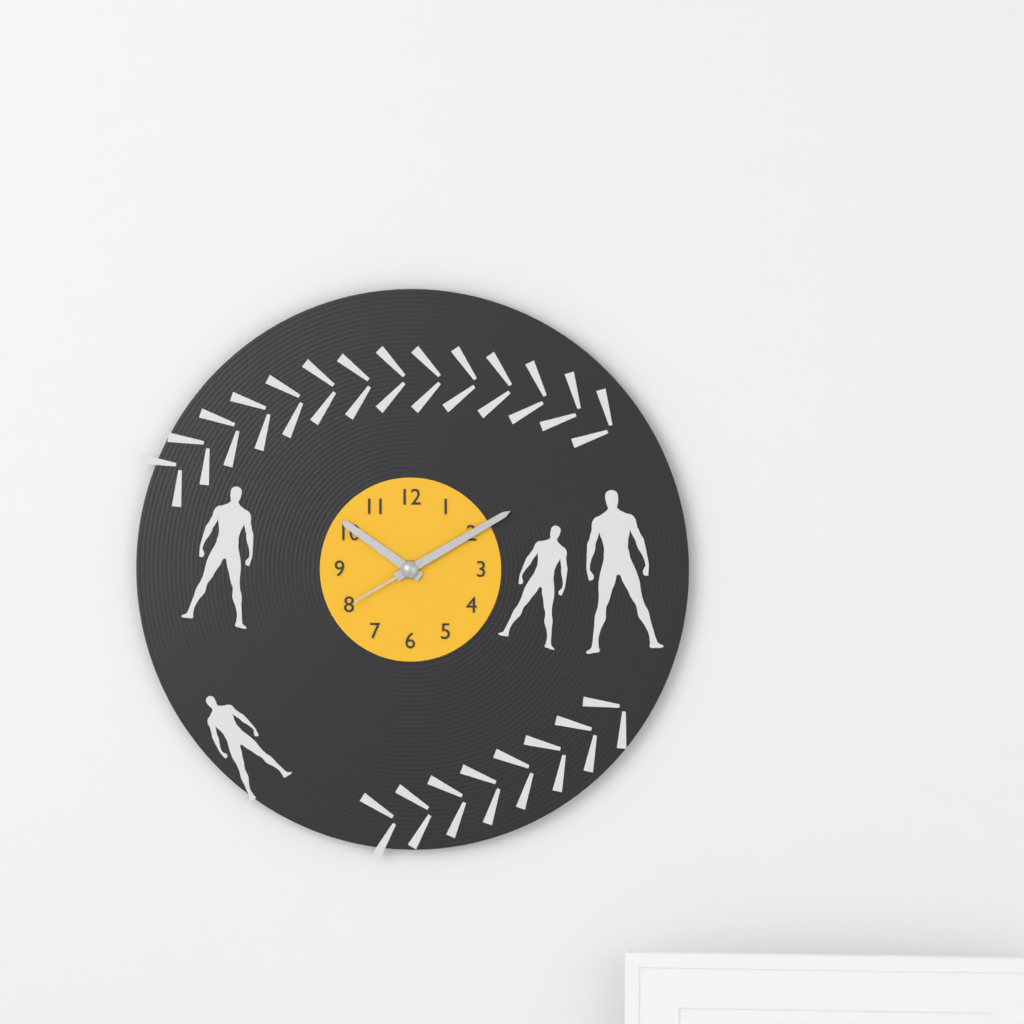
10,10,40
